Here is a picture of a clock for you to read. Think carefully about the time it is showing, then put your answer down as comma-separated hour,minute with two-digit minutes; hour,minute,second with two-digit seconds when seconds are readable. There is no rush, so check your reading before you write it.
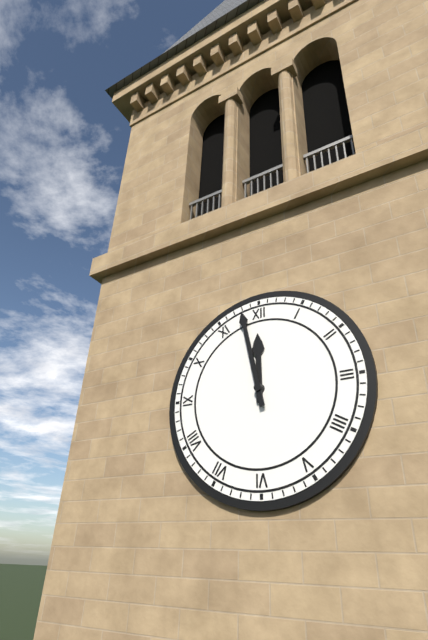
11,58
